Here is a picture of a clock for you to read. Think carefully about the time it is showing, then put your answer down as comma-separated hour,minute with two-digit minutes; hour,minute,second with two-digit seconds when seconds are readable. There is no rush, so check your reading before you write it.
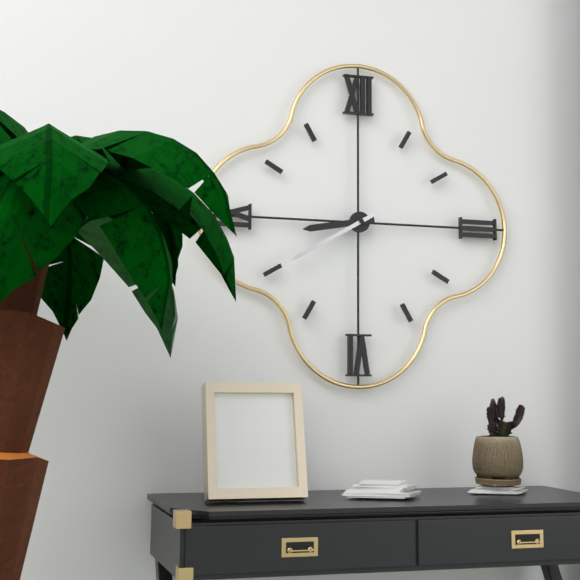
8,40
